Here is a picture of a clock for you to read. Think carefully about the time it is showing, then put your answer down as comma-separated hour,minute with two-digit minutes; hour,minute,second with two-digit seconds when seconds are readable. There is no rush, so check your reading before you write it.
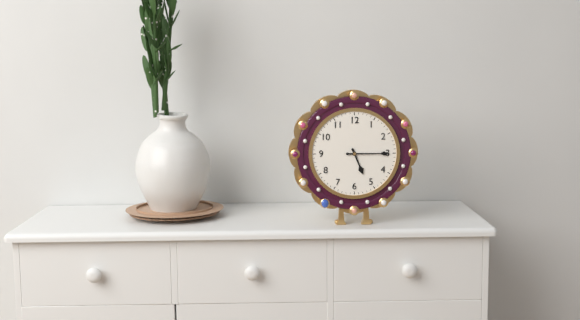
5,15
